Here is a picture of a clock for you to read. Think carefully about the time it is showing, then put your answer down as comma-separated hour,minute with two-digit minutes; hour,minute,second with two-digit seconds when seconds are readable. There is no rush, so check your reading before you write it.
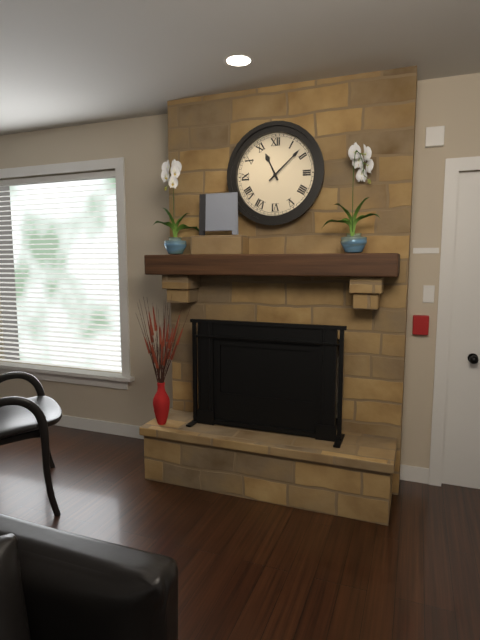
11,08
